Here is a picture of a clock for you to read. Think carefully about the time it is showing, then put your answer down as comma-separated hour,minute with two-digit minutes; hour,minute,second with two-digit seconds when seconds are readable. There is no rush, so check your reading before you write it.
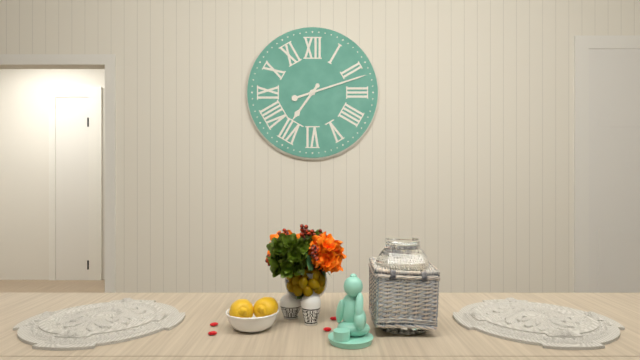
7,12
